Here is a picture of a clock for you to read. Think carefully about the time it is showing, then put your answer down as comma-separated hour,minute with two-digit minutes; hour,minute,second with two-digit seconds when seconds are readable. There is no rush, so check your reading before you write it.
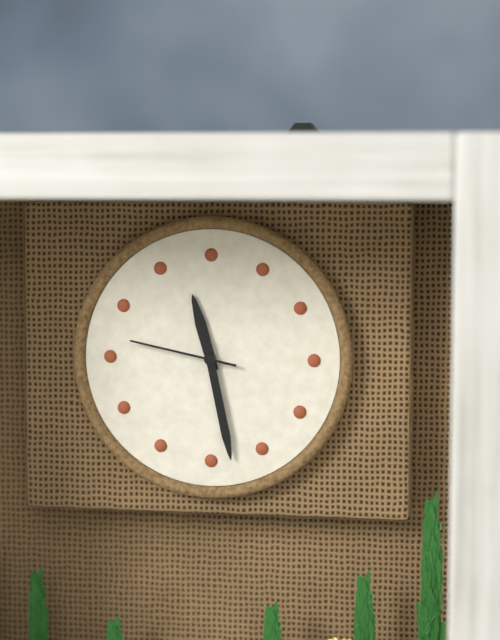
11,28,47
